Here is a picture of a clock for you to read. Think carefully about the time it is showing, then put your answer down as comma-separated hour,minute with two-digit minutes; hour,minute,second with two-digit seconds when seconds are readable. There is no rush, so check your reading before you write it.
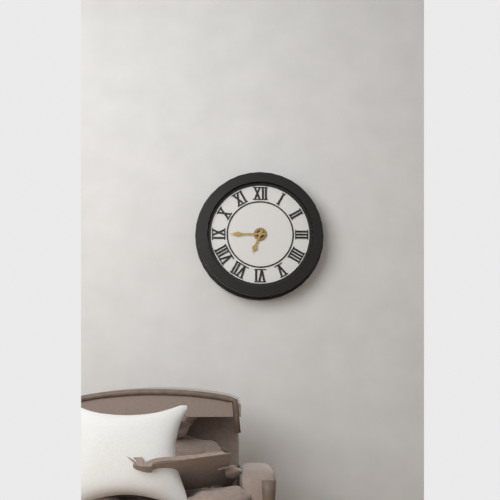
6,45
